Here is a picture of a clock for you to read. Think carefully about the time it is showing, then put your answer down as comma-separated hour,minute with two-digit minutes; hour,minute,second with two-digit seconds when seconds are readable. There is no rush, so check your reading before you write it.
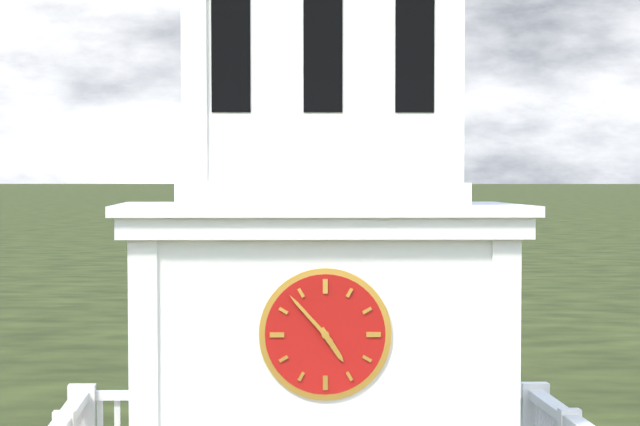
4,53
